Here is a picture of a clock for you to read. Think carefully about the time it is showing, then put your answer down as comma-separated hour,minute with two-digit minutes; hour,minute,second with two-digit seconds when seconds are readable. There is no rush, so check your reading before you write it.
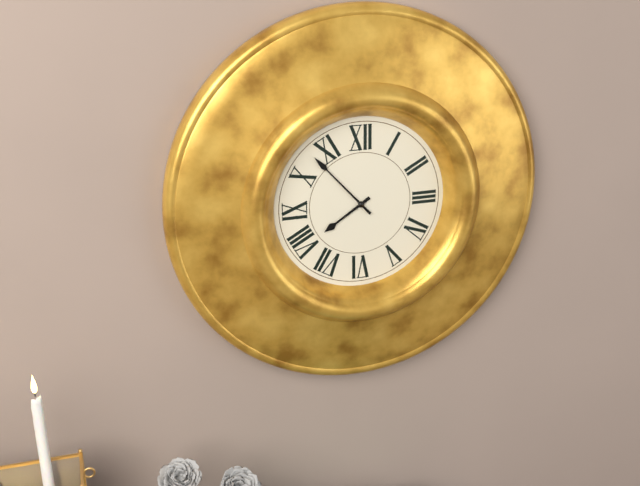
7,53
